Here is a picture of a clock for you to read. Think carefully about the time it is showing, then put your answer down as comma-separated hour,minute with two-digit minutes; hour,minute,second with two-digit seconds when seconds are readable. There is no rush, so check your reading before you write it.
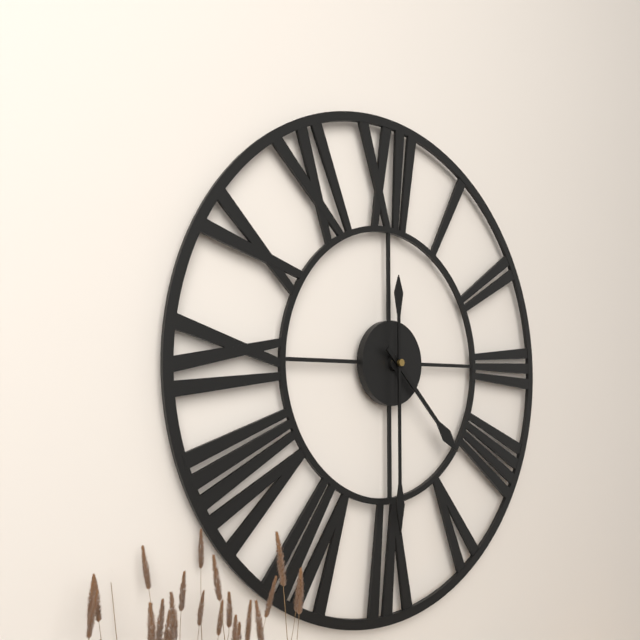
4,30
